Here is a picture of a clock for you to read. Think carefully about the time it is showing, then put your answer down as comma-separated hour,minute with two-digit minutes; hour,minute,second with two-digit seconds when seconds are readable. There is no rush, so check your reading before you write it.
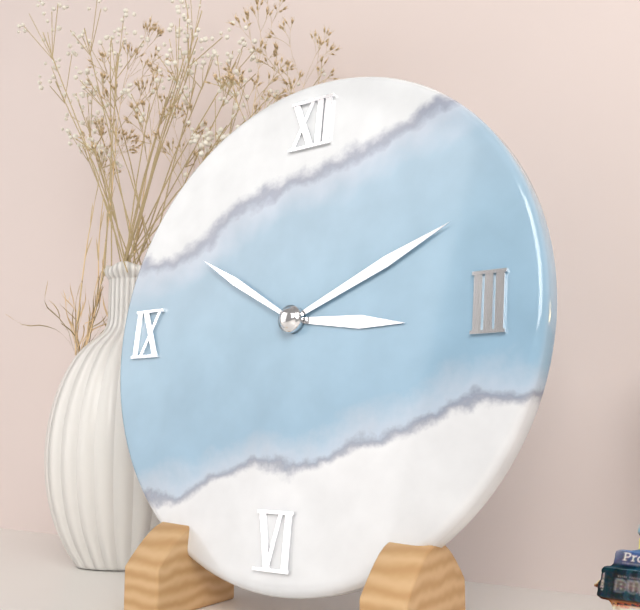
3,11,50
